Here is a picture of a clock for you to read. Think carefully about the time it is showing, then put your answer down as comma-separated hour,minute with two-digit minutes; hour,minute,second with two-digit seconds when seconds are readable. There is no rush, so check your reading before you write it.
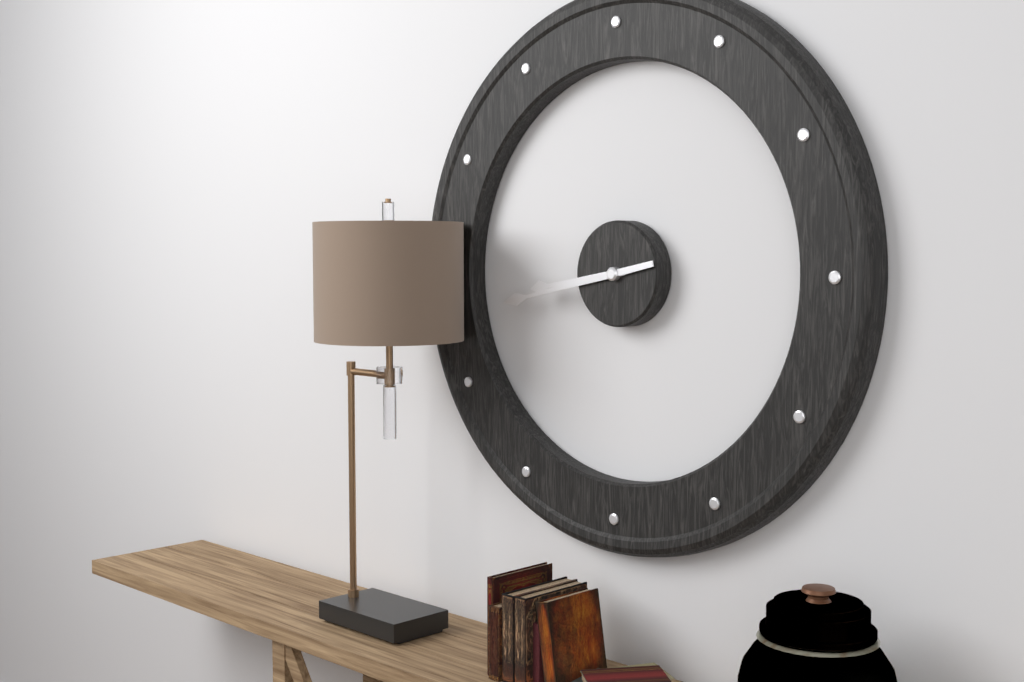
8,43
